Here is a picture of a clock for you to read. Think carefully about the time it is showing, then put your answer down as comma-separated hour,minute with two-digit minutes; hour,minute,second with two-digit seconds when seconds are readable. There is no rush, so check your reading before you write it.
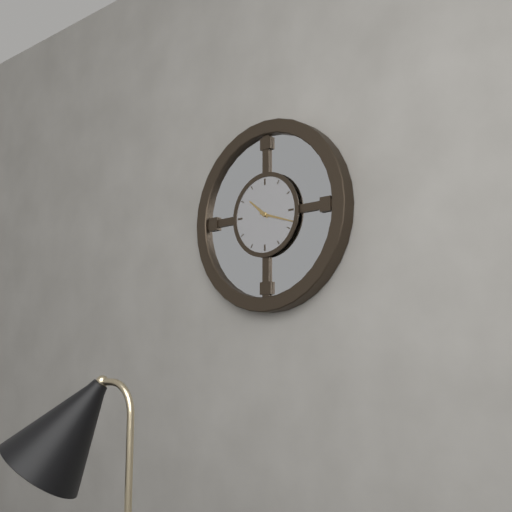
10,18
